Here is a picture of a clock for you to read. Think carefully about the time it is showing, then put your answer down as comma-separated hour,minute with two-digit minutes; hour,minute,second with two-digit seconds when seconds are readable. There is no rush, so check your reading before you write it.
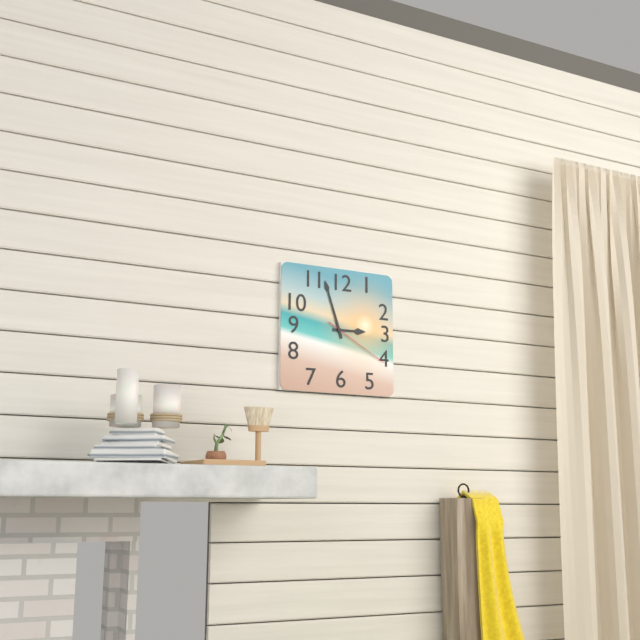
2,57,20
